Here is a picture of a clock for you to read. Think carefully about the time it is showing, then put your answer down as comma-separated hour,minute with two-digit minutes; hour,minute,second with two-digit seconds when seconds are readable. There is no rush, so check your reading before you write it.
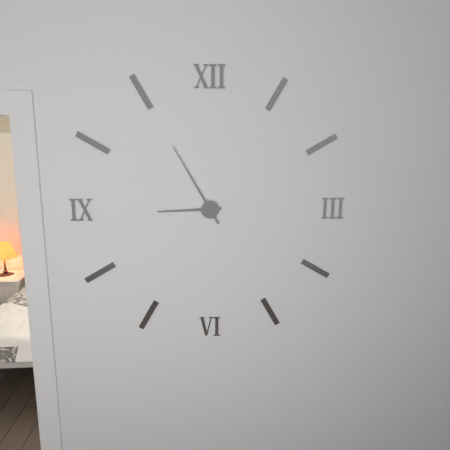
8,55
